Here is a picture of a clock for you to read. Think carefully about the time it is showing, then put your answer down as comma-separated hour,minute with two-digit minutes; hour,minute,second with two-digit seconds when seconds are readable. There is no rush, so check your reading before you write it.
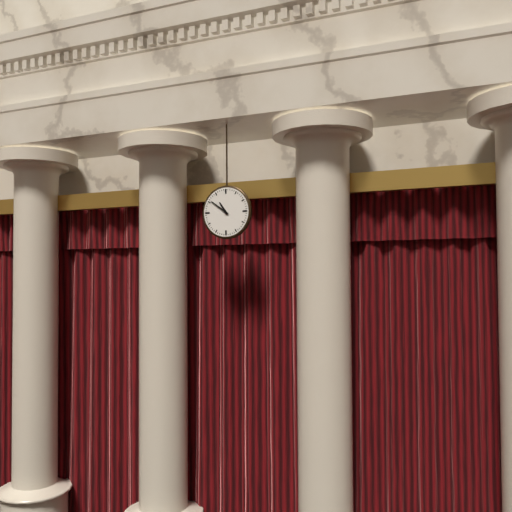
10,51
